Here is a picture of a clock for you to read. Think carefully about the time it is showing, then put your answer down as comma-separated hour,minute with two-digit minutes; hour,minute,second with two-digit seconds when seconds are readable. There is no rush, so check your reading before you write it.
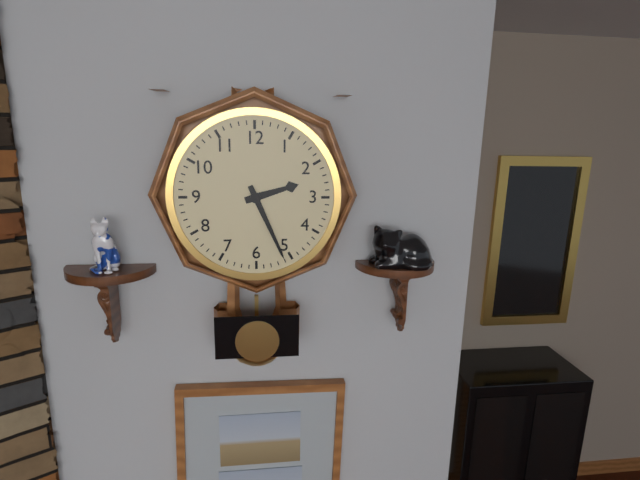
2,26
